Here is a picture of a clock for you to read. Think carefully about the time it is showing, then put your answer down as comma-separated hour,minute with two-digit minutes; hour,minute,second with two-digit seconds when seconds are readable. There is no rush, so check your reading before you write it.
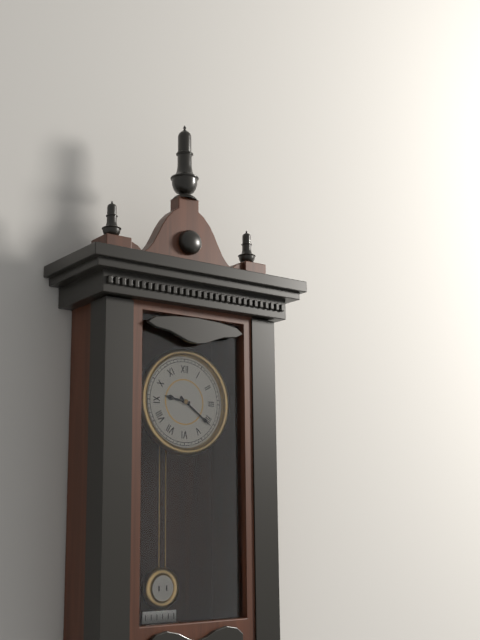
9,21
